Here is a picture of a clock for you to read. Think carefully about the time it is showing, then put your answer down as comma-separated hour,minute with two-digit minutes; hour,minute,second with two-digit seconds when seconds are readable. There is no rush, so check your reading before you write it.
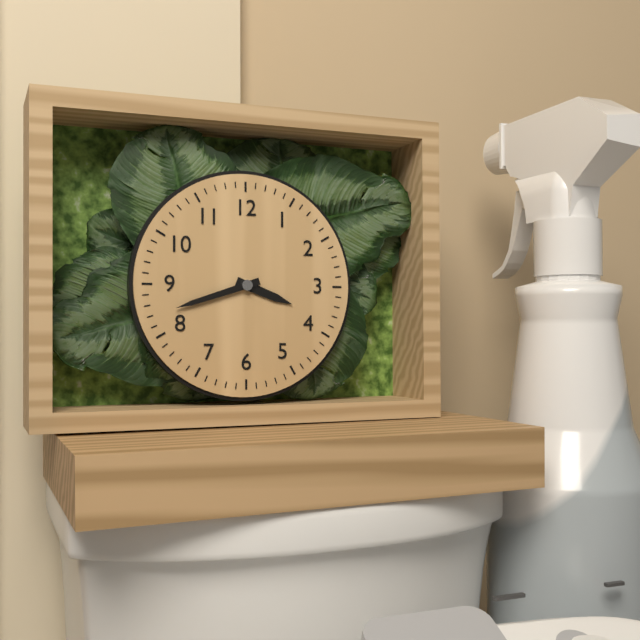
3,42
